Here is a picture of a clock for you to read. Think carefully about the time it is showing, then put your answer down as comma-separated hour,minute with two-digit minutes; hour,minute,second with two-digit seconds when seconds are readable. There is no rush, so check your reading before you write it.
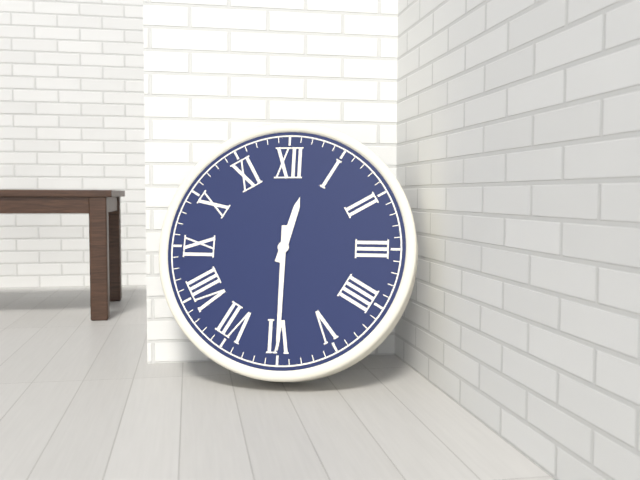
12,30
